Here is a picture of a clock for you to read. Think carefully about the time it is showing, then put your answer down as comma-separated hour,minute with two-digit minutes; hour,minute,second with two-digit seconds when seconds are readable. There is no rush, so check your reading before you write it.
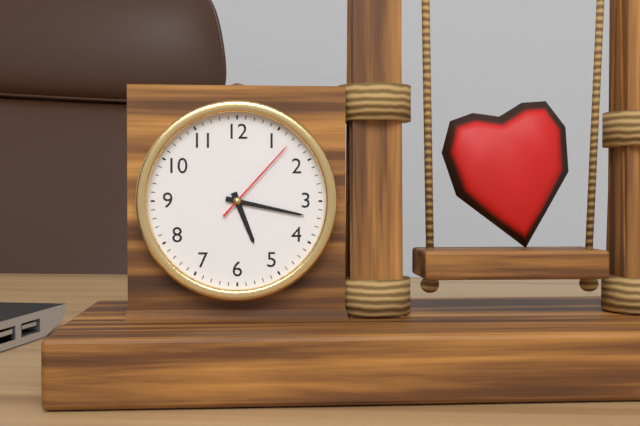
5,17,07
